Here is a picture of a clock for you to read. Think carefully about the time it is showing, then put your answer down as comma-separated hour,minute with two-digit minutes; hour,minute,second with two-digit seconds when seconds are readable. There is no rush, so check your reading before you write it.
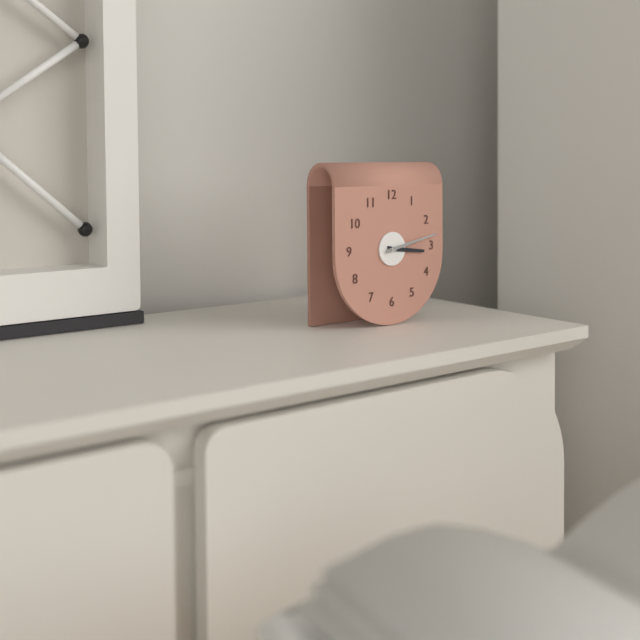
3,13
